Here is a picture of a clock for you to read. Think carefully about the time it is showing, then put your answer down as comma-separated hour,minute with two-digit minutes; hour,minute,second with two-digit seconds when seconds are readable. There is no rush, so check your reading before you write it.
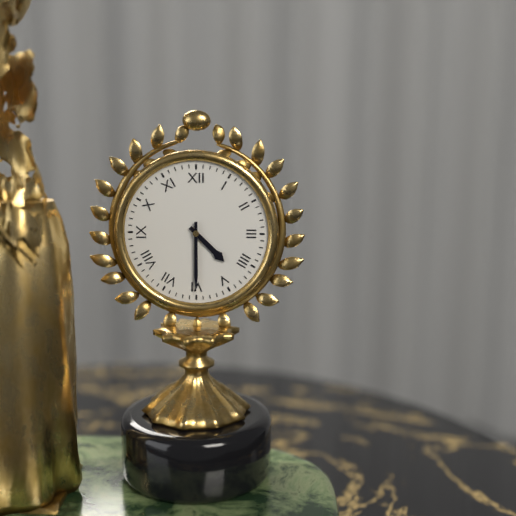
4,30
